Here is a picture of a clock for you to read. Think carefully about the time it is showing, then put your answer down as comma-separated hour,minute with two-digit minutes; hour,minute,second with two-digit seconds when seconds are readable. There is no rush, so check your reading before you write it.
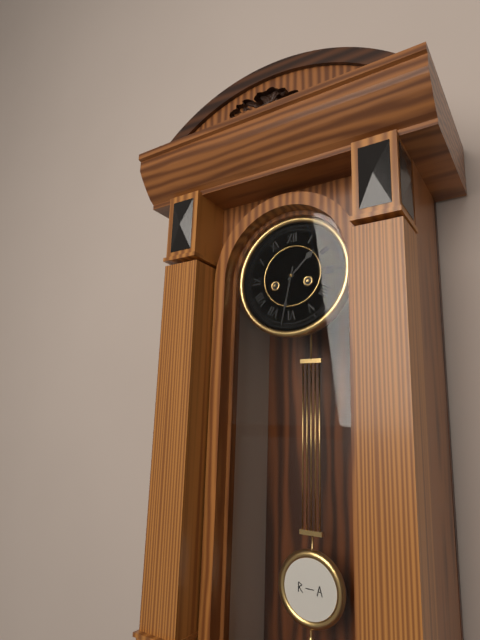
1,32
